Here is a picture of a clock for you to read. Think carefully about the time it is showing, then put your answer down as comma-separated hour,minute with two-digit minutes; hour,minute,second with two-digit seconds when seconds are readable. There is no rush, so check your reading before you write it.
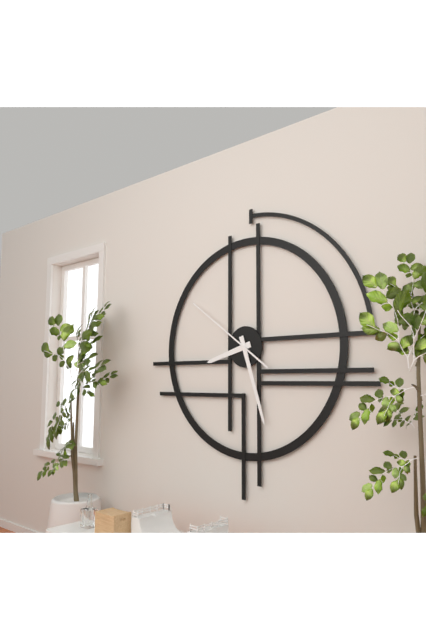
8,27,51
